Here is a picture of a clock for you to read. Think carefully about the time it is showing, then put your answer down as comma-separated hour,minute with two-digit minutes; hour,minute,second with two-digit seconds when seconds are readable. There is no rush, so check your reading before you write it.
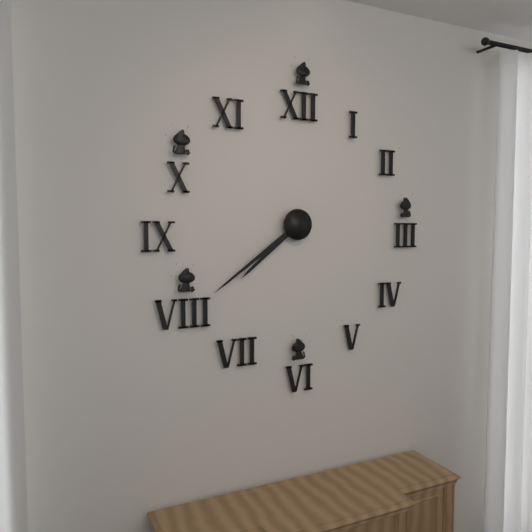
7,39
